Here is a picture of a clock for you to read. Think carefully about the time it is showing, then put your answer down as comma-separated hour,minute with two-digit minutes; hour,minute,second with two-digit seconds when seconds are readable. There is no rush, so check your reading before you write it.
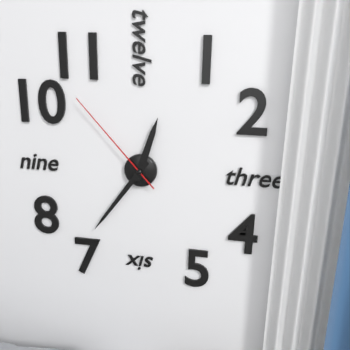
12,36,53
